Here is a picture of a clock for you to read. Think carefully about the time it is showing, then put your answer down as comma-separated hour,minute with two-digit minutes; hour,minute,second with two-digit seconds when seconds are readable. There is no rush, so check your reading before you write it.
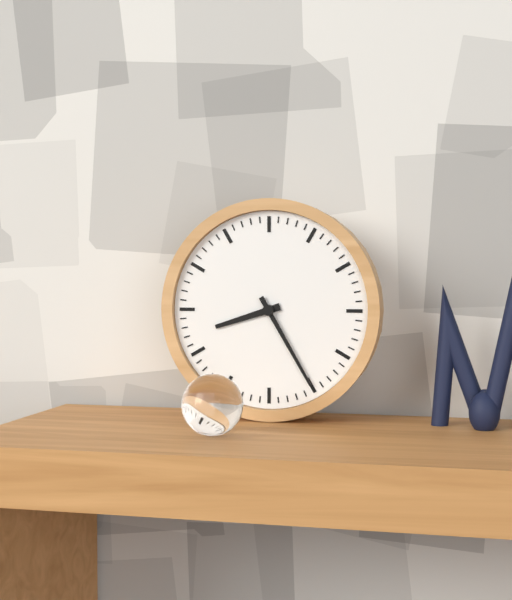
8,25
